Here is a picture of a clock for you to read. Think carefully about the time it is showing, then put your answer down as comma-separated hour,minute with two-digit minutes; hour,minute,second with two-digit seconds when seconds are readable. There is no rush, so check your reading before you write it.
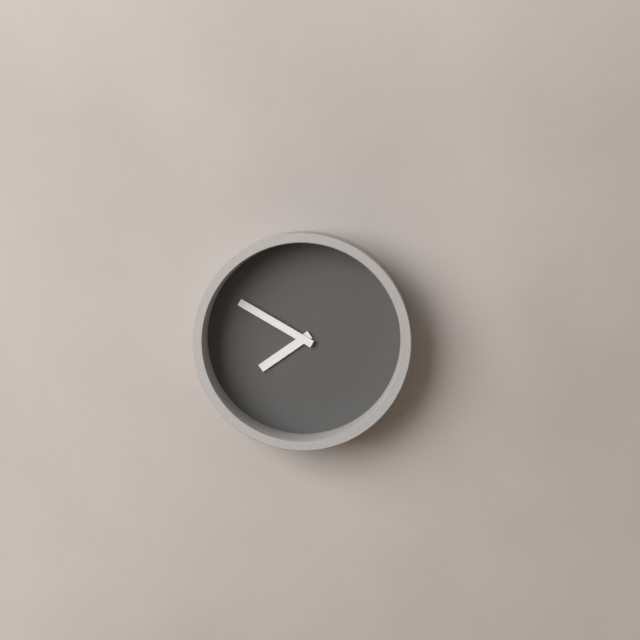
7,50
